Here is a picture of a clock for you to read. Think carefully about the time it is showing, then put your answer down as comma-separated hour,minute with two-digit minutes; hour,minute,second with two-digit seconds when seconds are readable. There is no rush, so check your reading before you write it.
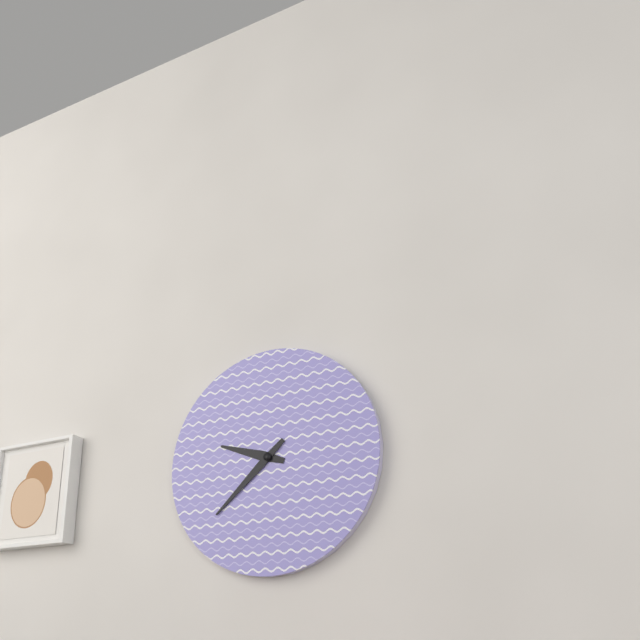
9,38
